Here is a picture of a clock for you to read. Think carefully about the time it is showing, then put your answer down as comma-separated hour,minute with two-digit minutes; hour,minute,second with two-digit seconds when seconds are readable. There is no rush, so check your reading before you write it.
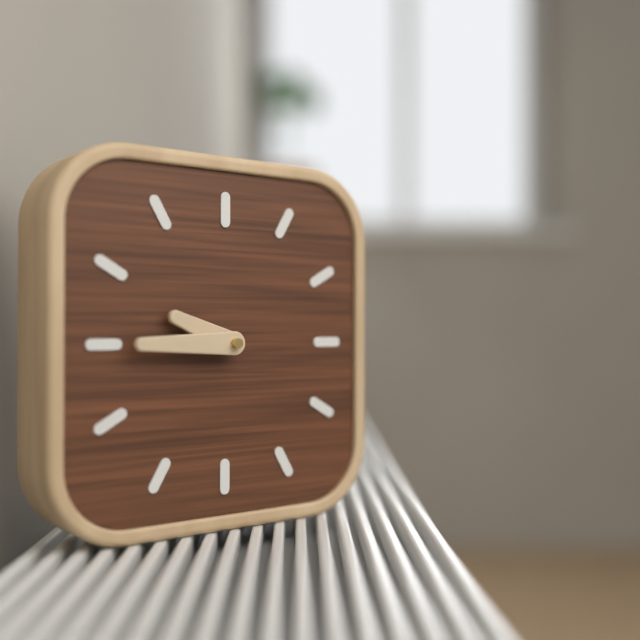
9,45
